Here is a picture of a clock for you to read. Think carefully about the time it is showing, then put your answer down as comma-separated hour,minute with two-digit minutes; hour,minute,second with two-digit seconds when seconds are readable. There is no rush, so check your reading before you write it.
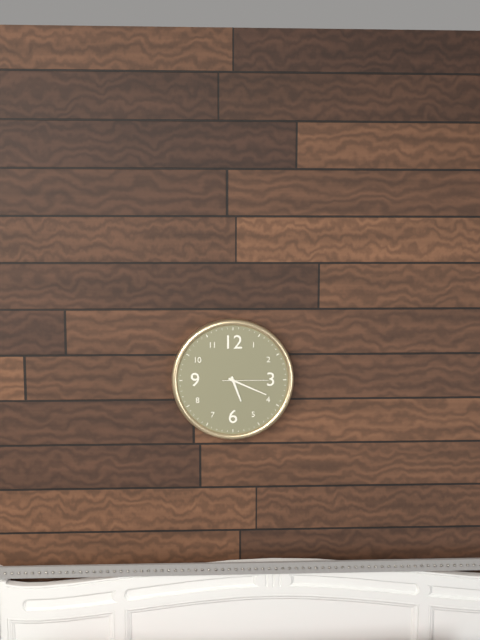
5,19
